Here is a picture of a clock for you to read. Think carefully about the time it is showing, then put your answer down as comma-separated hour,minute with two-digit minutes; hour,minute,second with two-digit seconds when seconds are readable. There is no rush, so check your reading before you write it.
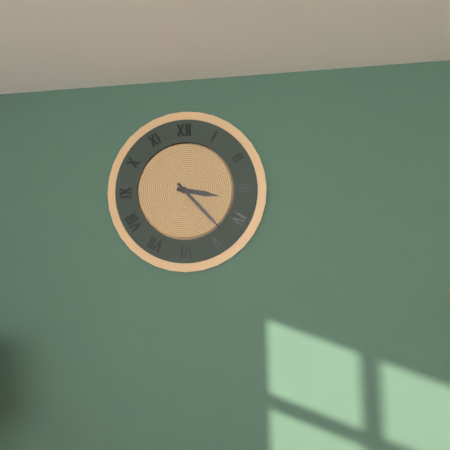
3,23
